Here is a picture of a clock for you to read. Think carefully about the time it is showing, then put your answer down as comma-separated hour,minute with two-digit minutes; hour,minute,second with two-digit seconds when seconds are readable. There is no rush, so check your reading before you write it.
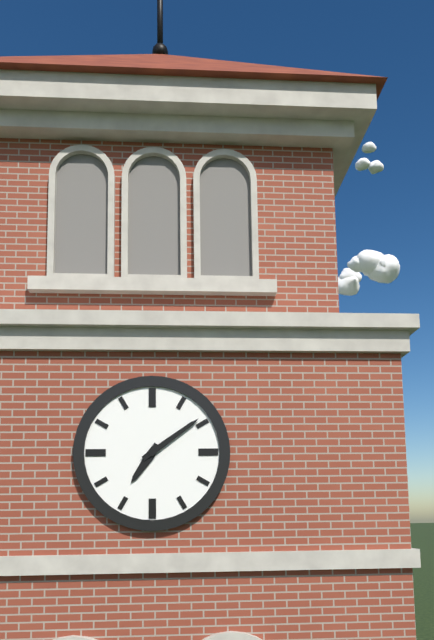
7,09
